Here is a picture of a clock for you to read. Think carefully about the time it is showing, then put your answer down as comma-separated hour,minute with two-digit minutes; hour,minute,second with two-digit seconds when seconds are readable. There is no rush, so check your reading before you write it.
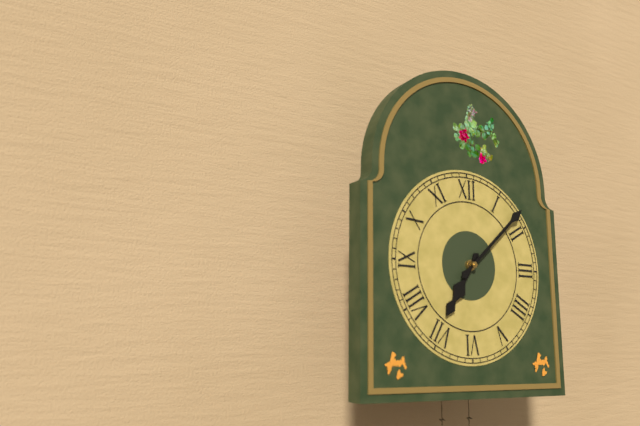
7,08
